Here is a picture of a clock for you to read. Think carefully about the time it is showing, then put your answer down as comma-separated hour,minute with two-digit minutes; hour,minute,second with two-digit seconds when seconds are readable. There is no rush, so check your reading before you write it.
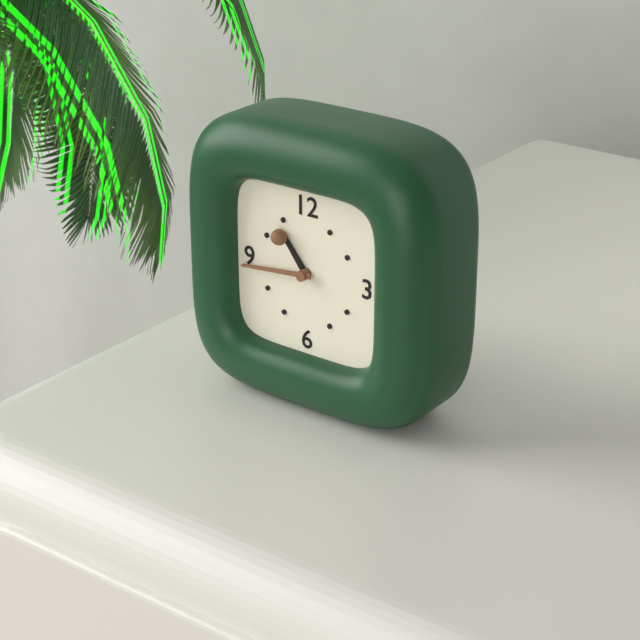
10,44
